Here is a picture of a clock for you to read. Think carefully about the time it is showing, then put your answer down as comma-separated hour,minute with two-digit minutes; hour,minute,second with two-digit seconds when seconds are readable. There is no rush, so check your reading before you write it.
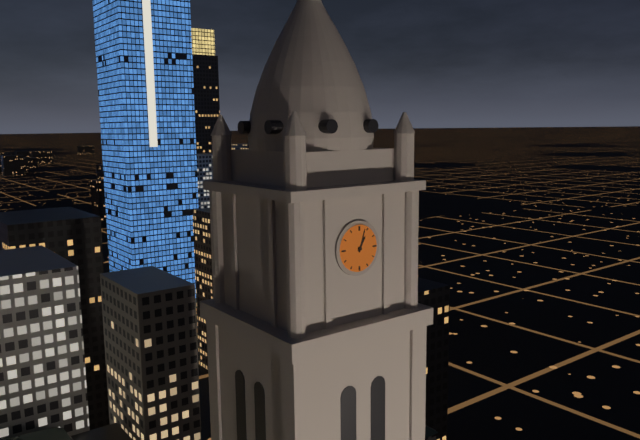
1,03
